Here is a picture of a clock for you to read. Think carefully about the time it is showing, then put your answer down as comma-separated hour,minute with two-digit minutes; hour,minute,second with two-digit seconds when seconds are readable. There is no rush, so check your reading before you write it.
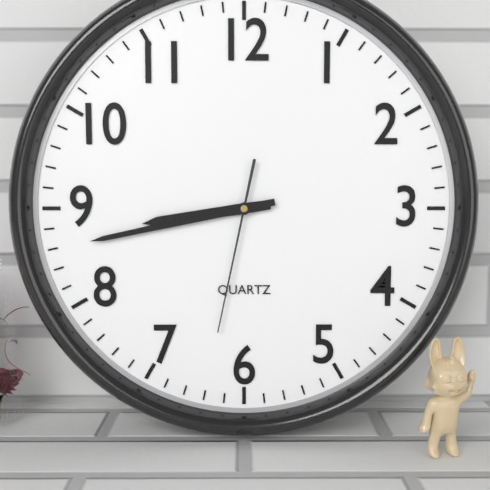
8,43,32
